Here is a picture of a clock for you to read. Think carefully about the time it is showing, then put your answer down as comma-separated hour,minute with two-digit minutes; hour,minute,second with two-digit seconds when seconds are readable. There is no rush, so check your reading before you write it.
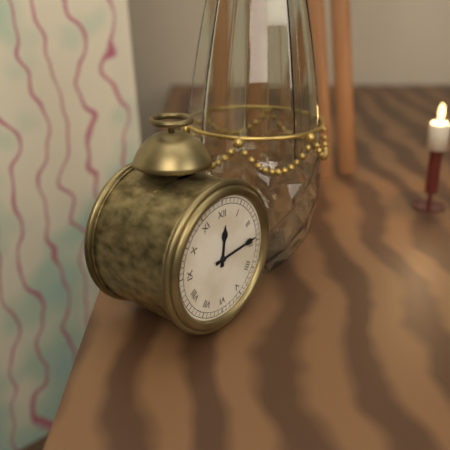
12,14
